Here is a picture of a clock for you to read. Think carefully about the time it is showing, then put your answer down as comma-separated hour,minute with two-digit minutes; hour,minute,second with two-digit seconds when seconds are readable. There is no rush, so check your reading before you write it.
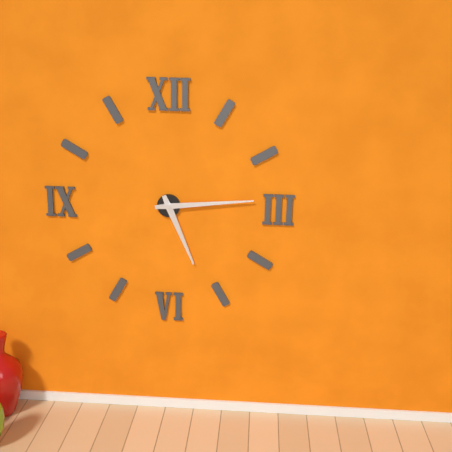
5,14
